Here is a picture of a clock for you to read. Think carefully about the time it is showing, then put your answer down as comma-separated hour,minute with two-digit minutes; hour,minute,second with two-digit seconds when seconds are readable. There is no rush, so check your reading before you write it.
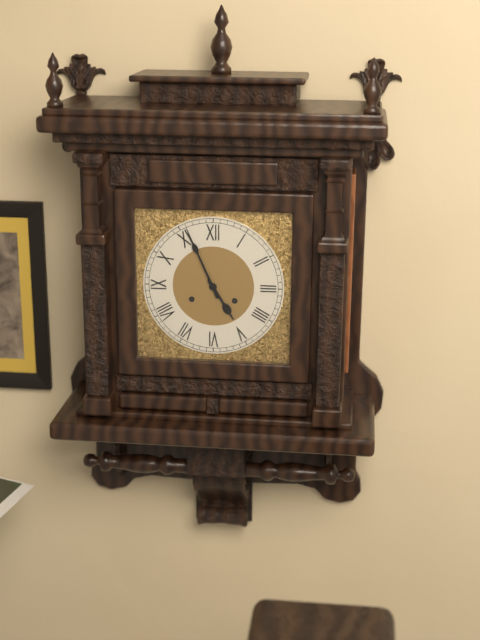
4,56
